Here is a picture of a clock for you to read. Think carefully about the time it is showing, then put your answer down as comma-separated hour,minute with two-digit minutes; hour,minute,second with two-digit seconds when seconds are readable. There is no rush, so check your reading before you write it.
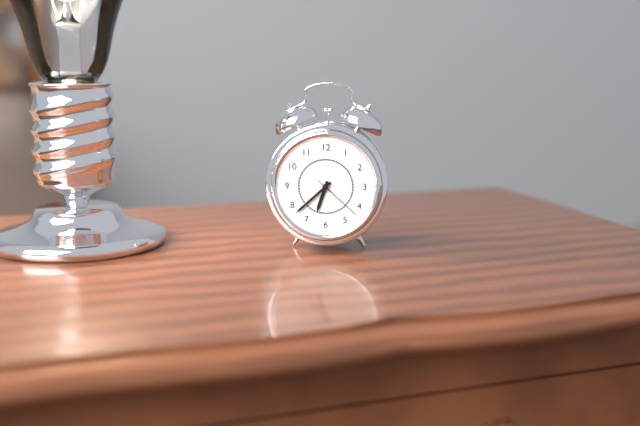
6,38,22
